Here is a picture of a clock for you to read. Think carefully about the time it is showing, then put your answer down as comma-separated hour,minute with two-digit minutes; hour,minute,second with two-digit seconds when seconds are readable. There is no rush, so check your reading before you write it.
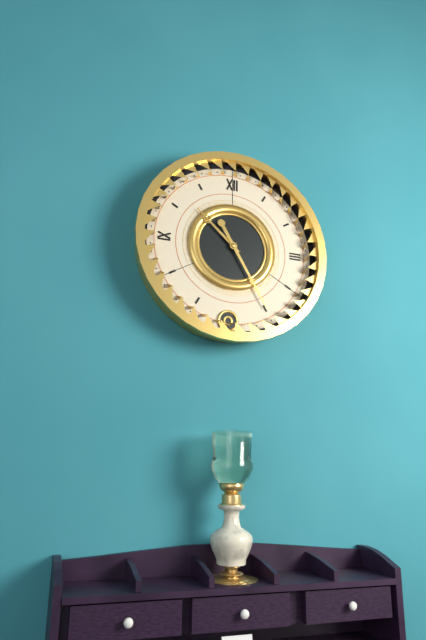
10,25
